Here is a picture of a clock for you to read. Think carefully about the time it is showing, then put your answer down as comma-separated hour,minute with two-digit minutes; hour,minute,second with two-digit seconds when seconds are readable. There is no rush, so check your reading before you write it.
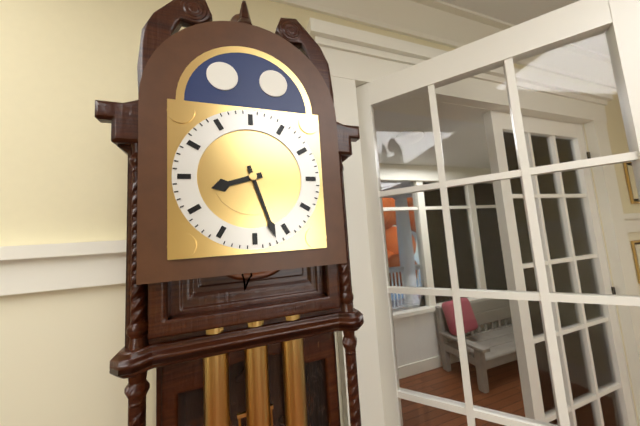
8,27
